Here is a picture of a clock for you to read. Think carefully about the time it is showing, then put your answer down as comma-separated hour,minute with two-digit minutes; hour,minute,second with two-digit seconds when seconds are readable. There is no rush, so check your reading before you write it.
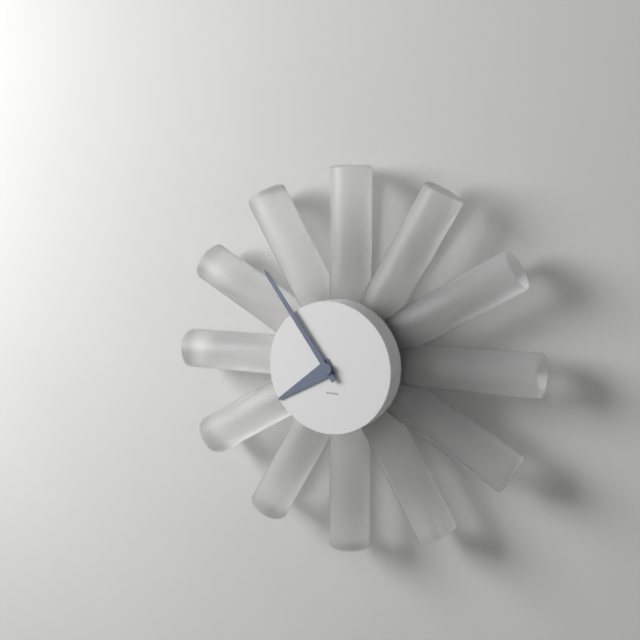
7,54
